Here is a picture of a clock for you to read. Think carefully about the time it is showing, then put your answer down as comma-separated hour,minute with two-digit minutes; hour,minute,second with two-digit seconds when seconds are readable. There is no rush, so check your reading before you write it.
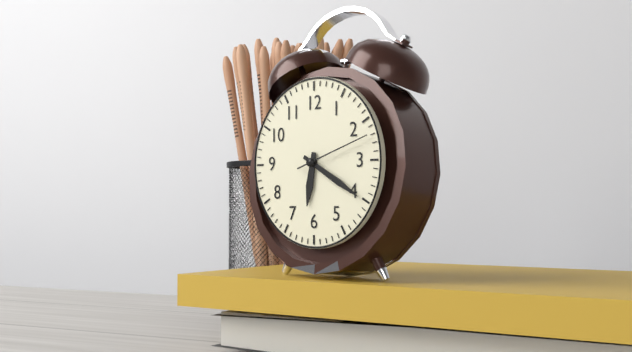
6,20,12
